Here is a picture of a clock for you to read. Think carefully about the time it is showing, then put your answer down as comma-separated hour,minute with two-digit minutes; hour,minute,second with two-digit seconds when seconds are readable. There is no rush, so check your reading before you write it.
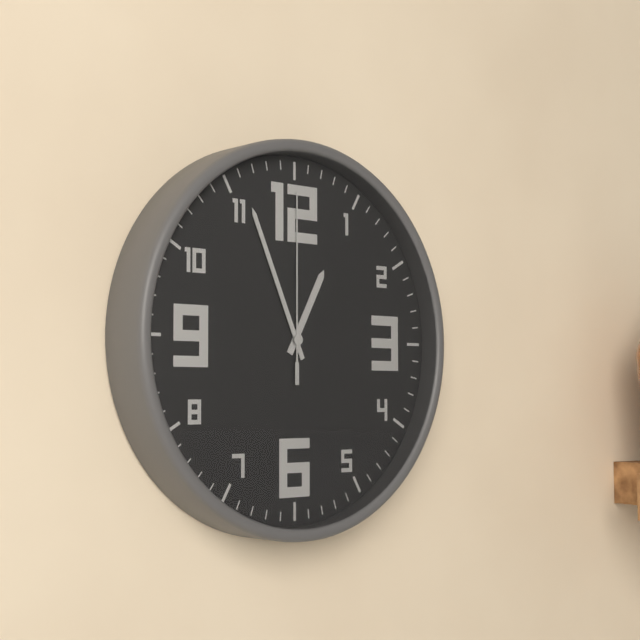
12,56,00
